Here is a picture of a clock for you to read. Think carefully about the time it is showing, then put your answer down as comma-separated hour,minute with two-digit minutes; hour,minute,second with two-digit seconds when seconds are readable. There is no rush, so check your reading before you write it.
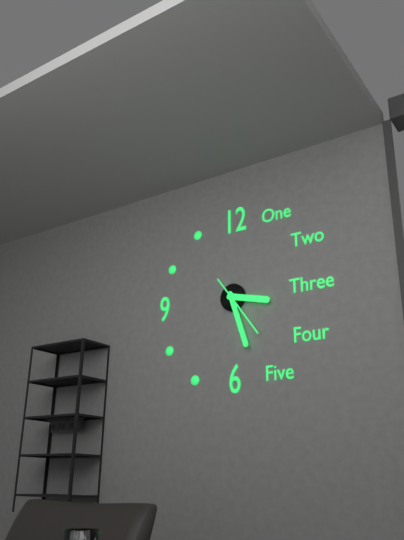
3,27,24
